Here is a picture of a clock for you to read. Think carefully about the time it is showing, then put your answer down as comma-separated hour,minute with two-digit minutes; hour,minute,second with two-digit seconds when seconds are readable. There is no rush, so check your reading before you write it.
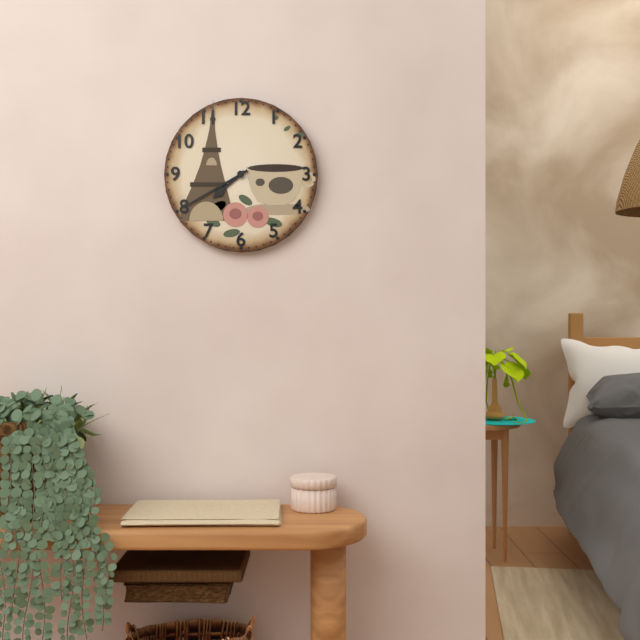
7,40
